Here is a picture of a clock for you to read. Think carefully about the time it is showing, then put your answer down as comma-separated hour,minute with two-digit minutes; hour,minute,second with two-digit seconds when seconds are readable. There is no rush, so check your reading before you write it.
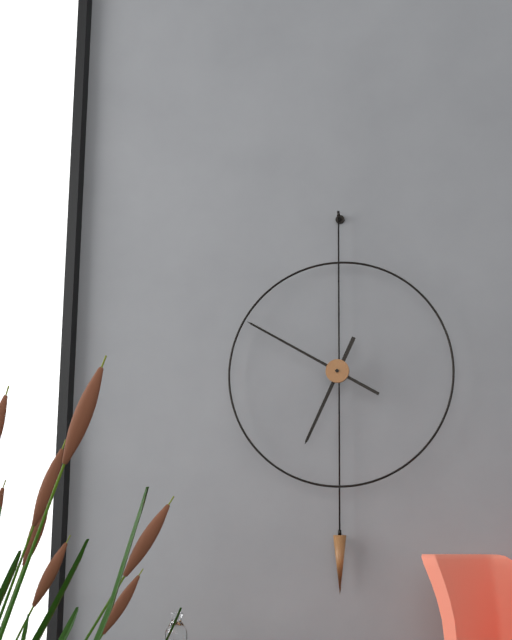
6,50
